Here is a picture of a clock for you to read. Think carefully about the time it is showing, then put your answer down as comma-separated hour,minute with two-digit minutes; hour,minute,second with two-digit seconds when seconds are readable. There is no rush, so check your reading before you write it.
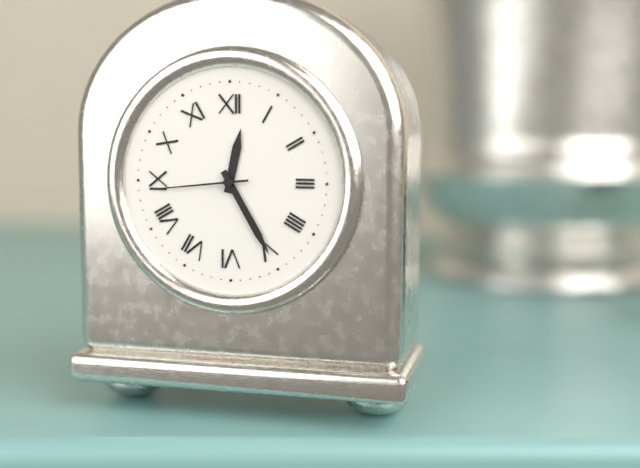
12,25,44
